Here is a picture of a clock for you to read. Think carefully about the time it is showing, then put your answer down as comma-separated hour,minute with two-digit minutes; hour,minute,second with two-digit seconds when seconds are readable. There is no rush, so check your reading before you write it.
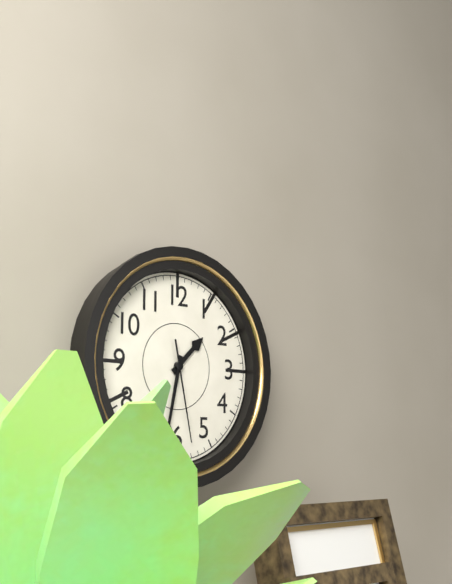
1,32,28
